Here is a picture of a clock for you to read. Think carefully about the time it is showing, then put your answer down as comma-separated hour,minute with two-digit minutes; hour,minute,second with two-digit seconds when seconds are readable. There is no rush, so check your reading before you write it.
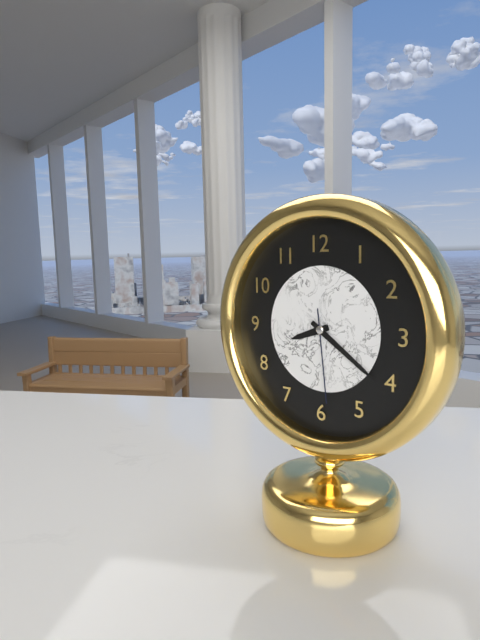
8,21,29
